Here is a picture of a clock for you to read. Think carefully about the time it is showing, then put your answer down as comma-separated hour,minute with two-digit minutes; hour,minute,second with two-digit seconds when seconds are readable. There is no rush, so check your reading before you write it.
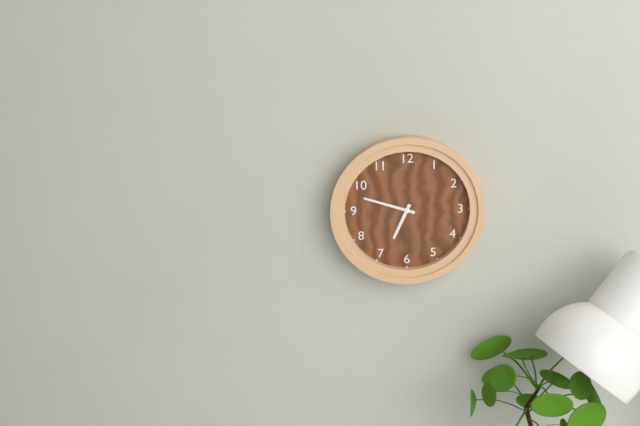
6,48
